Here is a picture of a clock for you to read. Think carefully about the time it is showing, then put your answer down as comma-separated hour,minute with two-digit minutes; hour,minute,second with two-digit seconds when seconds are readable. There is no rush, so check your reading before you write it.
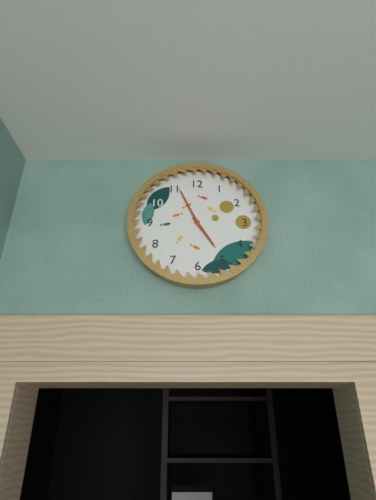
4,56
